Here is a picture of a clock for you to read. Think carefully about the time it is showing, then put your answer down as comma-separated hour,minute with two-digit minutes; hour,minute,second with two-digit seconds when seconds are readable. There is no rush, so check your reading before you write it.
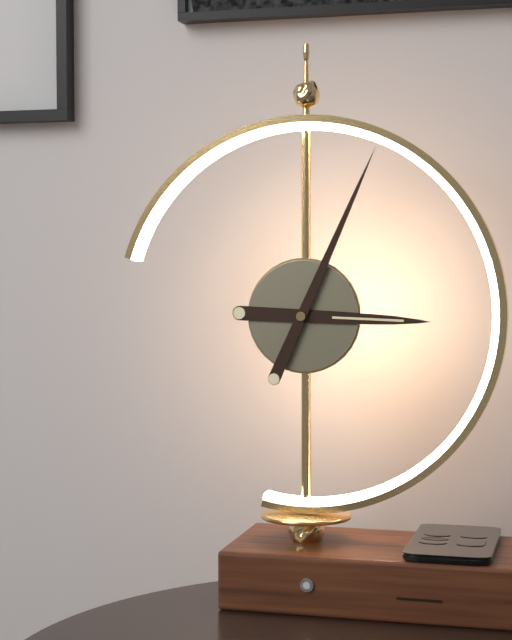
3,04
